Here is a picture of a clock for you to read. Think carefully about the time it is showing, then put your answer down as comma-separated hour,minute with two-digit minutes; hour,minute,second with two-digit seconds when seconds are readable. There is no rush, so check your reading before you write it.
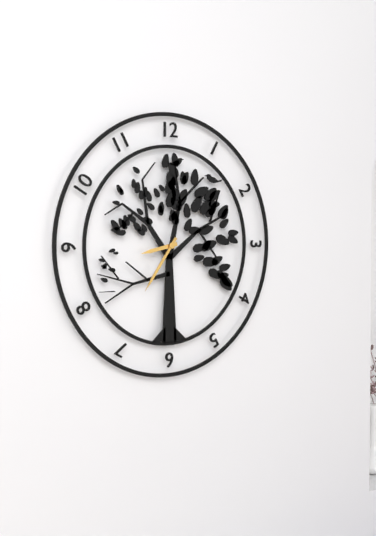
8,36
